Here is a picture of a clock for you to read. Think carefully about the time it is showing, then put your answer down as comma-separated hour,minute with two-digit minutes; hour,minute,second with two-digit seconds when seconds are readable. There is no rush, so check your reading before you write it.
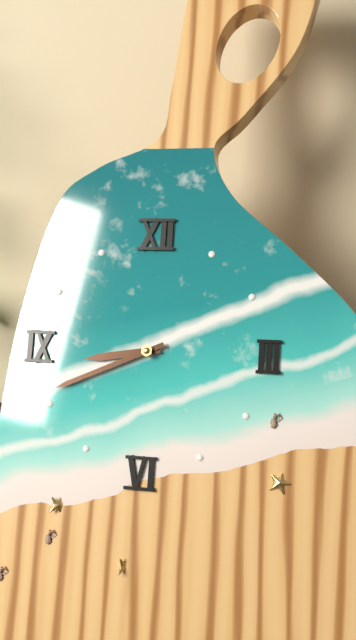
8,41
